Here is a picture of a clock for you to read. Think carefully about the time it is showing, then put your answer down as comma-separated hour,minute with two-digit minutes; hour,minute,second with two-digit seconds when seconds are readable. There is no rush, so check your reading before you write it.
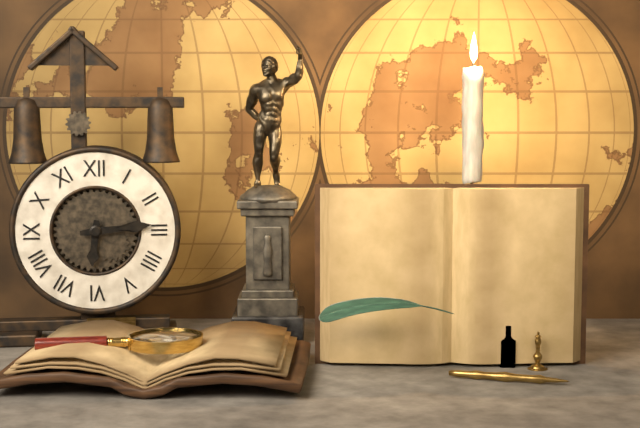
6,14
